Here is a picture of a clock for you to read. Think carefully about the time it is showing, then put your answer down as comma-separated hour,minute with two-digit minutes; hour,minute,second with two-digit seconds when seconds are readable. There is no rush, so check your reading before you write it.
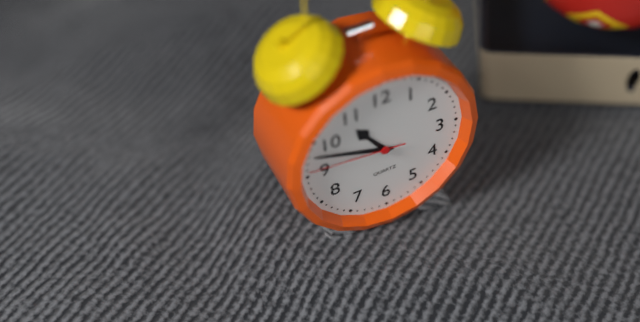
10,48,46
